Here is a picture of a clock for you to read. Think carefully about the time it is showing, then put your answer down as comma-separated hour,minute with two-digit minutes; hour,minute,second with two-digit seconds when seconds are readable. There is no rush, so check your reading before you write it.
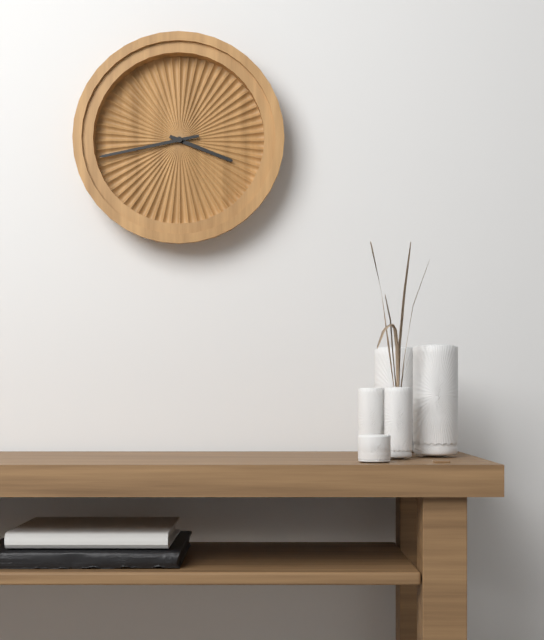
3,43
